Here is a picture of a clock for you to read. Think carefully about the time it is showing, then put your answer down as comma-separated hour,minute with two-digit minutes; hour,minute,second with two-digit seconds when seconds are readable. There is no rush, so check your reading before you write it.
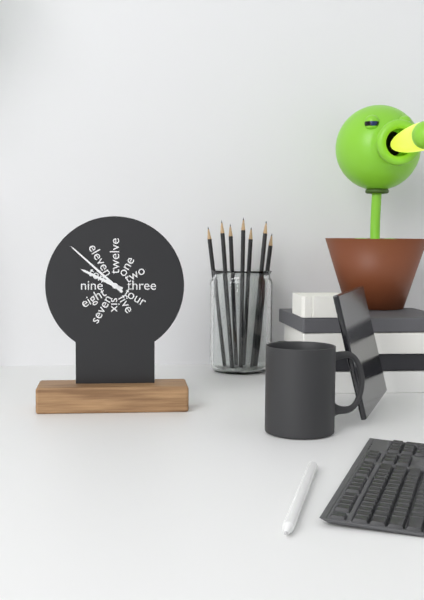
9,52
